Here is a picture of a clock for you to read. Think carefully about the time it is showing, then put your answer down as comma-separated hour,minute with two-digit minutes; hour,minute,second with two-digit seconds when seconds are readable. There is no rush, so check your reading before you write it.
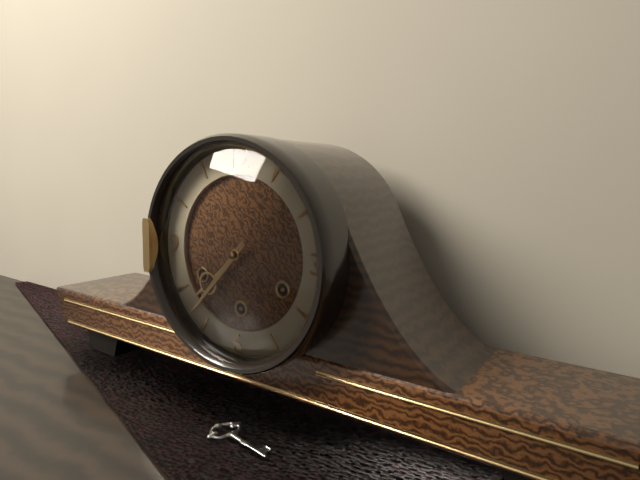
7,37
